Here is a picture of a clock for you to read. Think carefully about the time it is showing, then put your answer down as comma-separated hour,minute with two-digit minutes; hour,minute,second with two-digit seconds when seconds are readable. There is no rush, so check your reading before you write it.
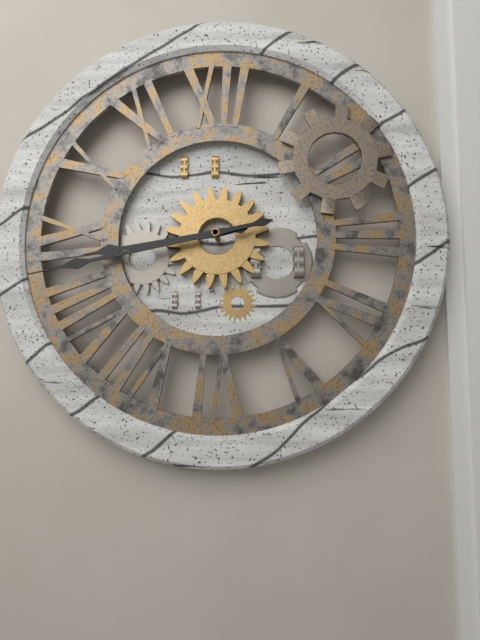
8,43
